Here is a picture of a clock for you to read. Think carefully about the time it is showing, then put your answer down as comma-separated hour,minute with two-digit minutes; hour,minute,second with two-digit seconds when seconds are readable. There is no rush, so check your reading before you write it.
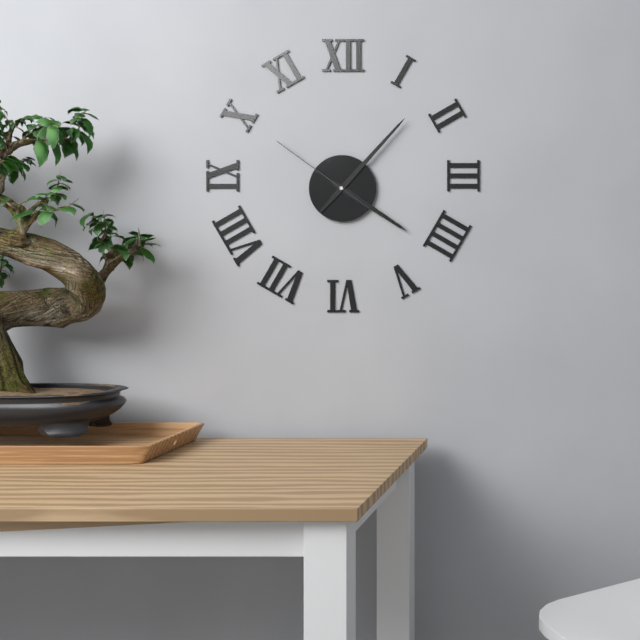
4,07,51
